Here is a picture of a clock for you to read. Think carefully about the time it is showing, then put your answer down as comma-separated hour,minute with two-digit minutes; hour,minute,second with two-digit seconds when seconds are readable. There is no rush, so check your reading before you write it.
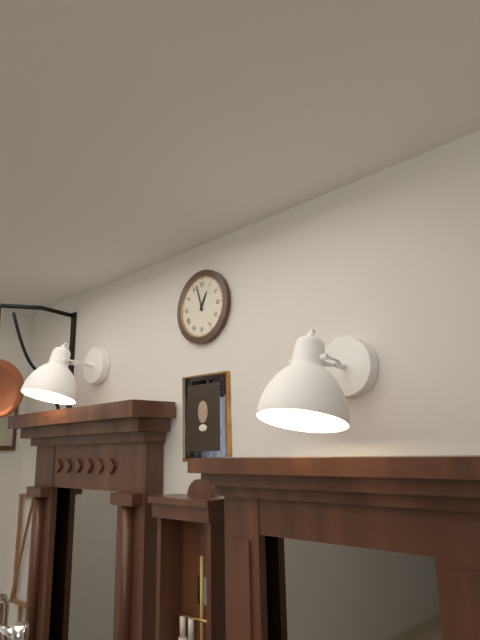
12,57
